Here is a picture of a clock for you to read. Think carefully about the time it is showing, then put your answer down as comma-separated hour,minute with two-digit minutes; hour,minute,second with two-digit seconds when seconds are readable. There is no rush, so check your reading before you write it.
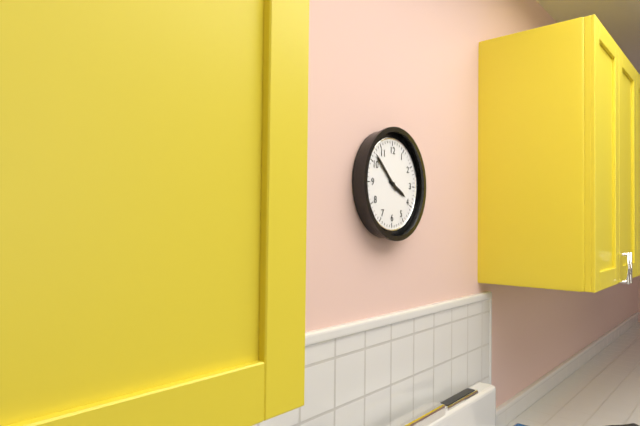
3,52
